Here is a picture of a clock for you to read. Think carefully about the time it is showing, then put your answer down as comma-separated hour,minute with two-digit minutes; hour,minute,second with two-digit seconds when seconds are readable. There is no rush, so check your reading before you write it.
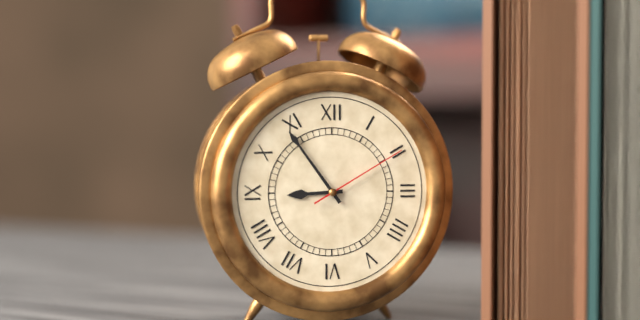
8,54,10
